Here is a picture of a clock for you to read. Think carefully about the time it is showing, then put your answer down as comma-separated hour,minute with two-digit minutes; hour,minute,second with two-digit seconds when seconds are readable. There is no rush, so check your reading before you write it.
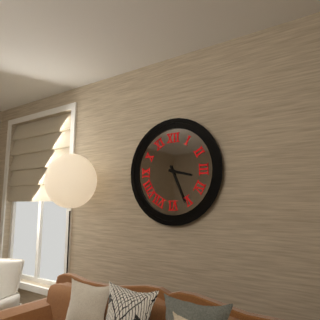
3,26
